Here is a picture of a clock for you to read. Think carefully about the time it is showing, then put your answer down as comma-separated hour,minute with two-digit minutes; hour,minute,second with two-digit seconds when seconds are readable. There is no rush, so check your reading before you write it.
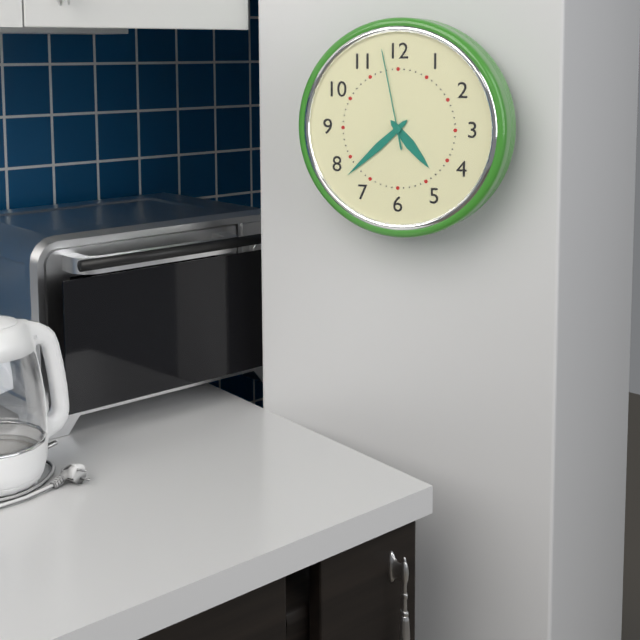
4,38,58
